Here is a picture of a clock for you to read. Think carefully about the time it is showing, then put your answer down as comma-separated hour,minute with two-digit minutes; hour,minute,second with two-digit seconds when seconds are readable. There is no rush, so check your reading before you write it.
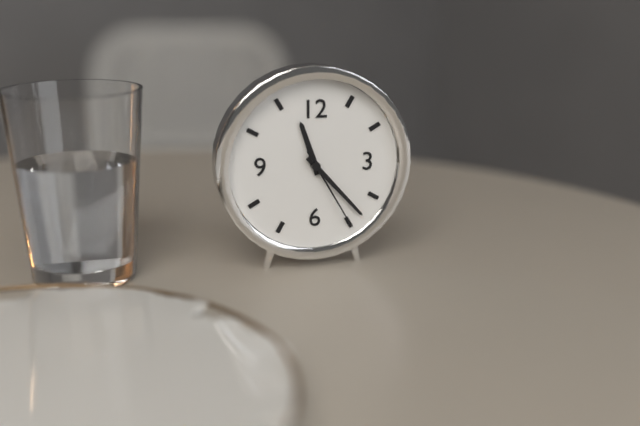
11,23,25
